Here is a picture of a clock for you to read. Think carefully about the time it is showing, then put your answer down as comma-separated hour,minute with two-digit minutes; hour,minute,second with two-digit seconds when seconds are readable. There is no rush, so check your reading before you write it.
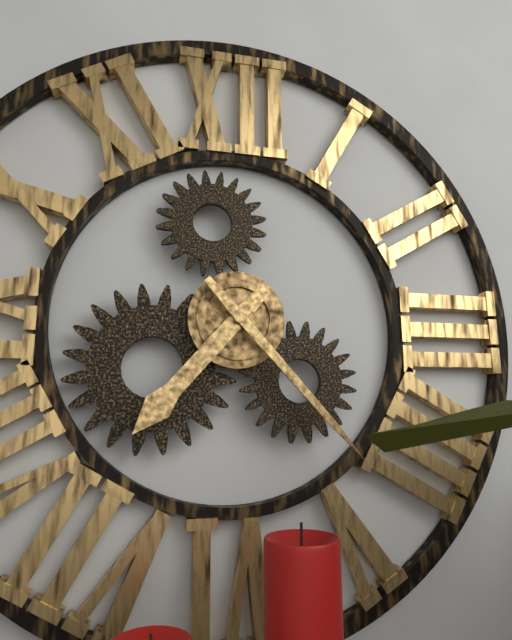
7,23
